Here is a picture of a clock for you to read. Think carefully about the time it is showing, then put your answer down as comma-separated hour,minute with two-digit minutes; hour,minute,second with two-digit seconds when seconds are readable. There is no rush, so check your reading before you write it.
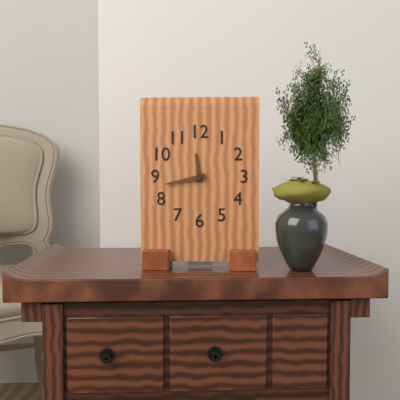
11,43
